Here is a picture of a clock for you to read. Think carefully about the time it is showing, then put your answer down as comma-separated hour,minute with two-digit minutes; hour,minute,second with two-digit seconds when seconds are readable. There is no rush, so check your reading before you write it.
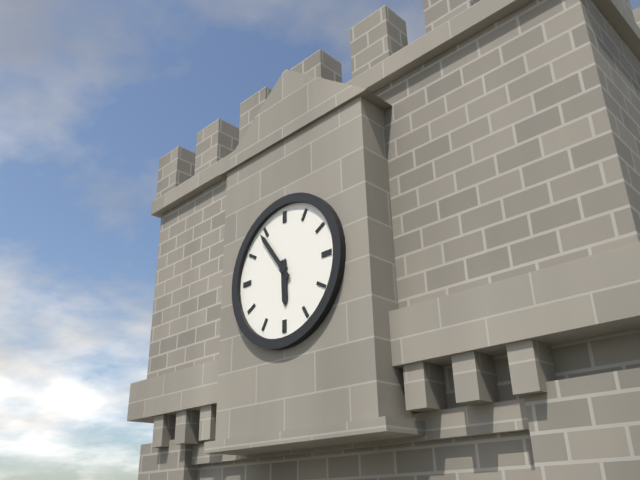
5,54
